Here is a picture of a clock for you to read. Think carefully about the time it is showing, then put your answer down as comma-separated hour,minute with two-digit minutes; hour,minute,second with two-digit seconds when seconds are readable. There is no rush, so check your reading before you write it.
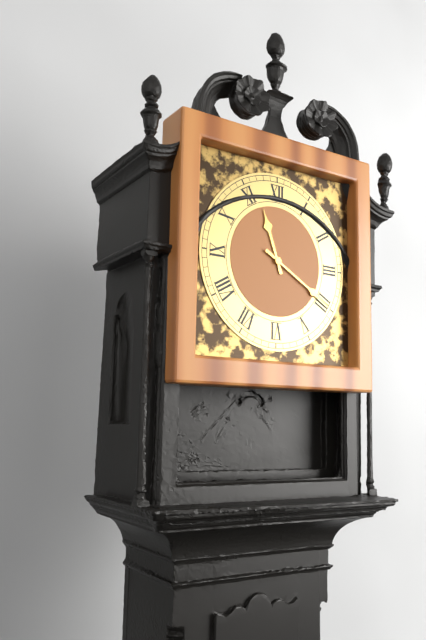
11,20
